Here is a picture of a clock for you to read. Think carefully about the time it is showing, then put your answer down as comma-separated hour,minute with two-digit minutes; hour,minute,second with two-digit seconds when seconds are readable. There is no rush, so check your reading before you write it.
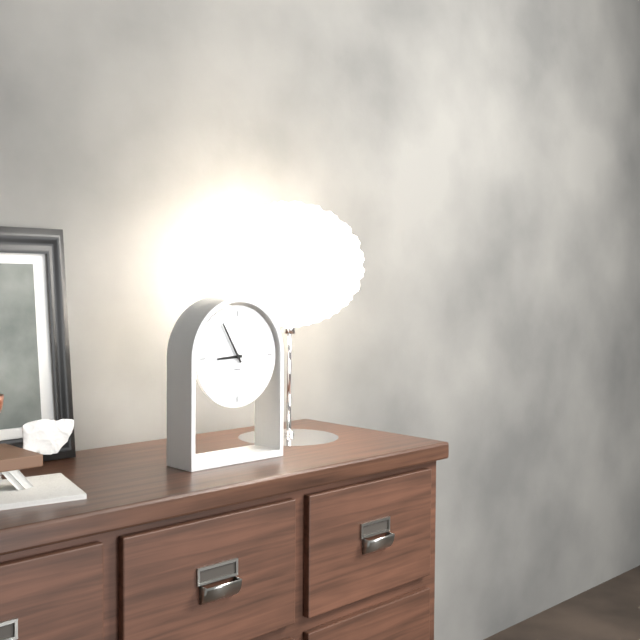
8,55
